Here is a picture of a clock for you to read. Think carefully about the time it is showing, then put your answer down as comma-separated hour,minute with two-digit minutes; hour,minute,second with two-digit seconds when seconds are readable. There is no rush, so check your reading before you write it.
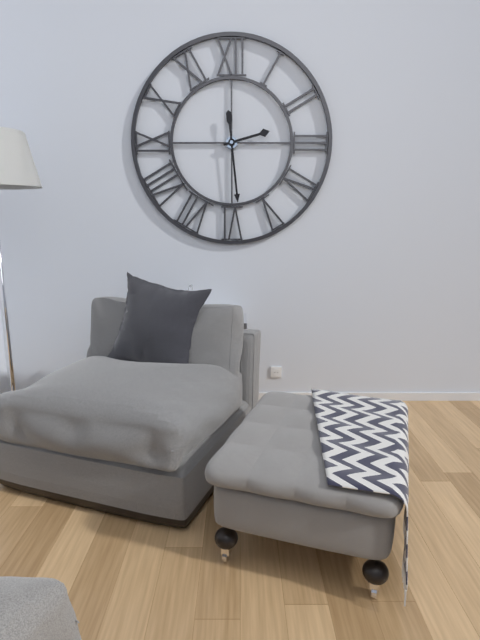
2,29
